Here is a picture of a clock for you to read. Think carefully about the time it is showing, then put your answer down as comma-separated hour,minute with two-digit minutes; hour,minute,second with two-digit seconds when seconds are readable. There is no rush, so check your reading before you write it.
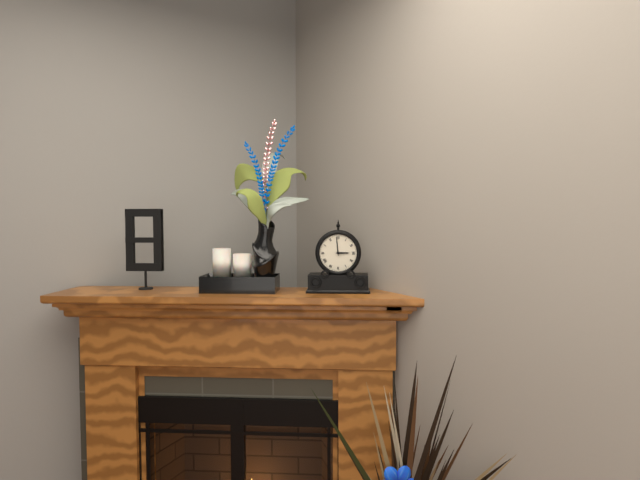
2,59
